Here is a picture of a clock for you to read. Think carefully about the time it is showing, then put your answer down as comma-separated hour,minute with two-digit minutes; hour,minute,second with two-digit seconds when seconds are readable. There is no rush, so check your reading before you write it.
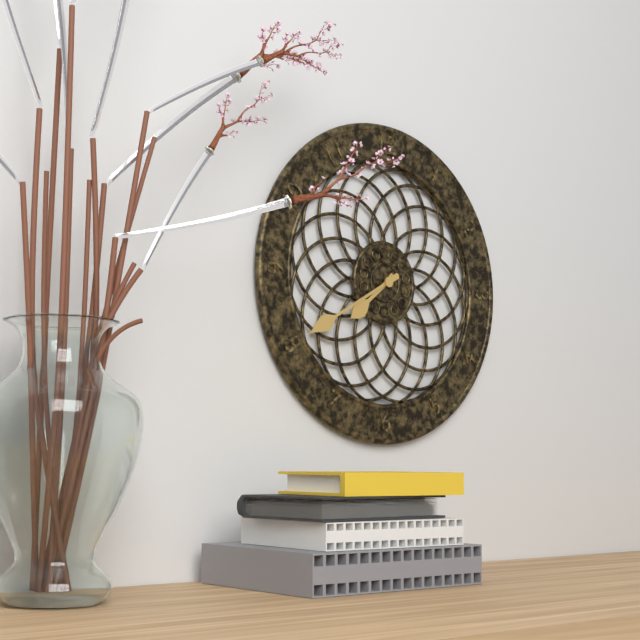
7,40
